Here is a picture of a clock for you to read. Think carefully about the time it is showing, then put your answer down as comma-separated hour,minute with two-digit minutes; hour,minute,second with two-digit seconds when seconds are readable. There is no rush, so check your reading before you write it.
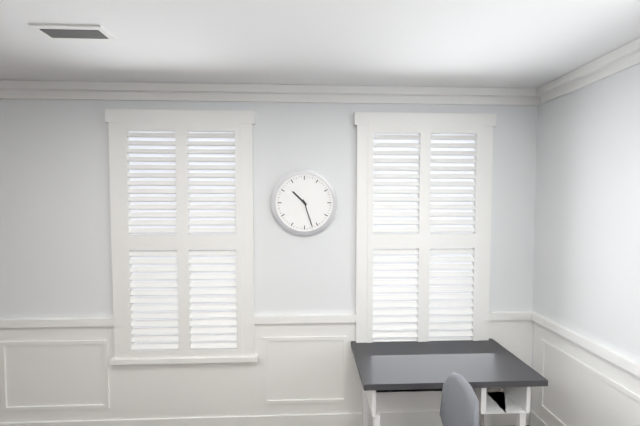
10,27
